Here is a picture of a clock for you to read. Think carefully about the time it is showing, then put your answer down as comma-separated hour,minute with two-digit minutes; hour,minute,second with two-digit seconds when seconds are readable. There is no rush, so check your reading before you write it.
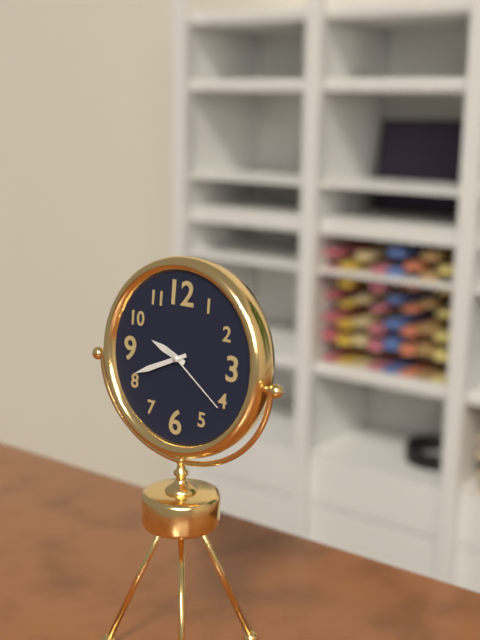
9,41,21
